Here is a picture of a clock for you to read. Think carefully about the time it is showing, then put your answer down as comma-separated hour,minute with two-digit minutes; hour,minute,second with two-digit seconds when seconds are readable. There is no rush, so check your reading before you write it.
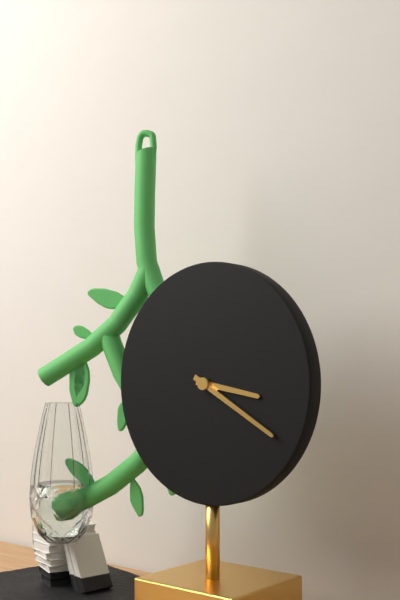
3,20
